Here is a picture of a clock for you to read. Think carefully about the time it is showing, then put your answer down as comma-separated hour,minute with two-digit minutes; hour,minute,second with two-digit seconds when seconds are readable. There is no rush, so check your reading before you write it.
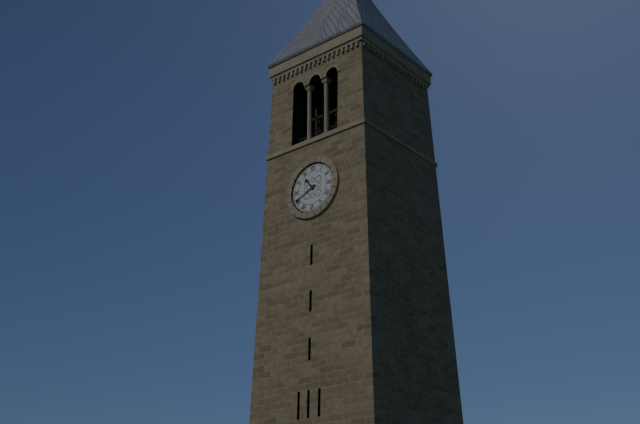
10,41
